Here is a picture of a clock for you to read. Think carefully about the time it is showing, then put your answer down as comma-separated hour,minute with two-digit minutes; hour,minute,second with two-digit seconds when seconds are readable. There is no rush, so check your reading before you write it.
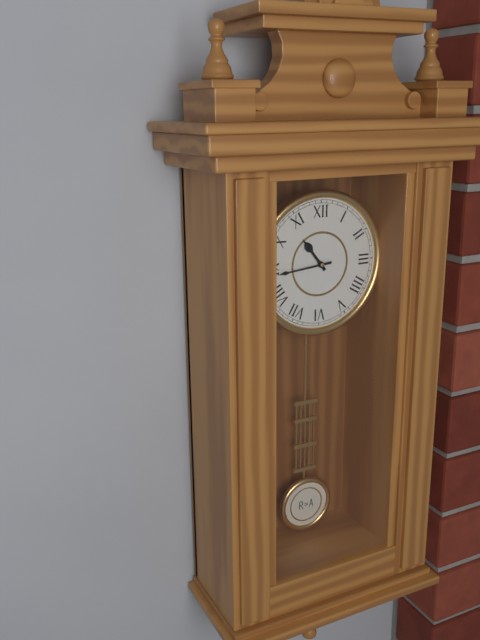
10,44
